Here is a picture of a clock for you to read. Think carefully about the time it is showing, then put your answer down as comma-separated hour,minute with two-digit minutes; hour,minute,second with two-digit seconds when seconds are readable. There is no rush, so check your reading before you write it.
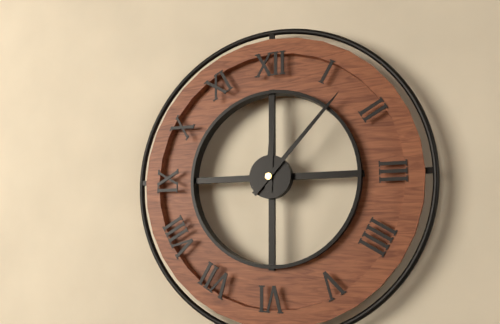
12,07
